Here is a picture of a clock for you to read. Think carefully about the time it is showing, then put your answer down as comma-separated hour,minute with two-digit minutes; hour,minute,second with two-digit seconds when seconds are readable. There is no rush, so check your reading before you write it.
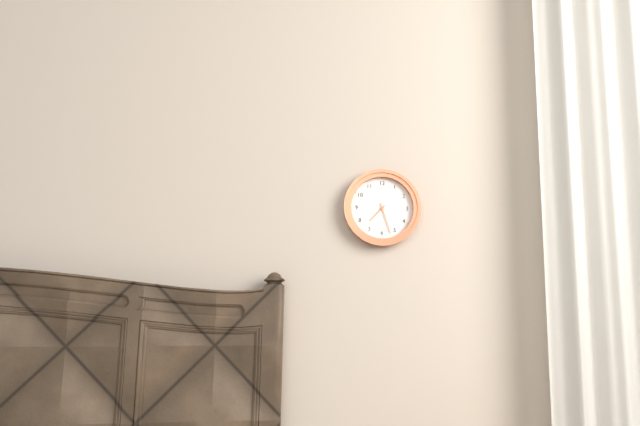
7,27
